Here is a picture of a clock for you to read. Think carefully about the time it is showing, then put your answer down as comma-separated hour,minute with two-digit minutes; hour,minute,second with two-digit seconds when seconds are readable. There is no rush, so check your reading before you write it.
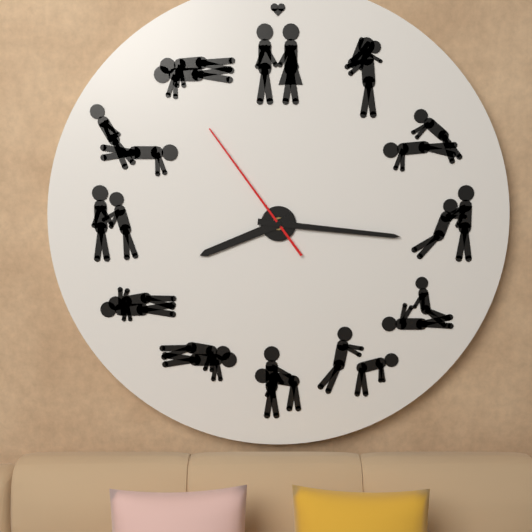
8,16,54
